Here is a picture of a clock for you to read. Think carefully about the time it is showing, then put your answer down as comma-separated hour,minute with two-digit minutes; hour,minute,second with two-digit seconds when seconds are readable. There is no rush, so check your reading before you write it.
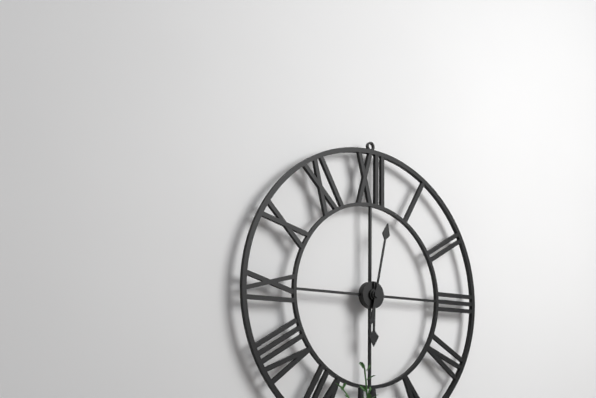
6,02
